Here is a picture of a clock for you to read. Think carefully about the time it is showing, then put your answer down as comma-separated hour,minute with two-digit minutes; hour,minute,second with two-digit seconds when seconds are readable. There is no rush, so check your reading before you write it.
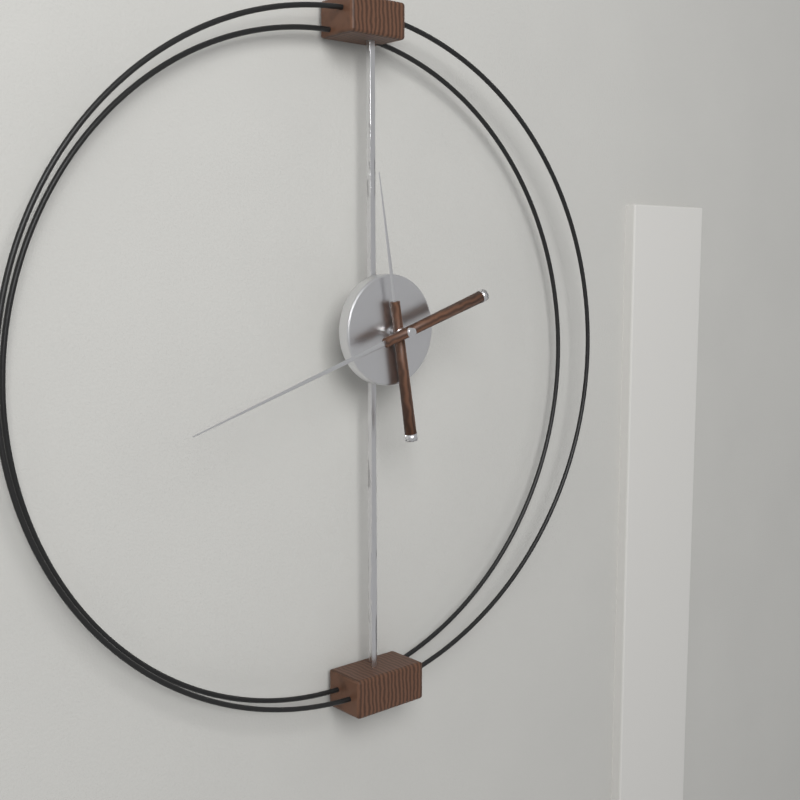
11,42
